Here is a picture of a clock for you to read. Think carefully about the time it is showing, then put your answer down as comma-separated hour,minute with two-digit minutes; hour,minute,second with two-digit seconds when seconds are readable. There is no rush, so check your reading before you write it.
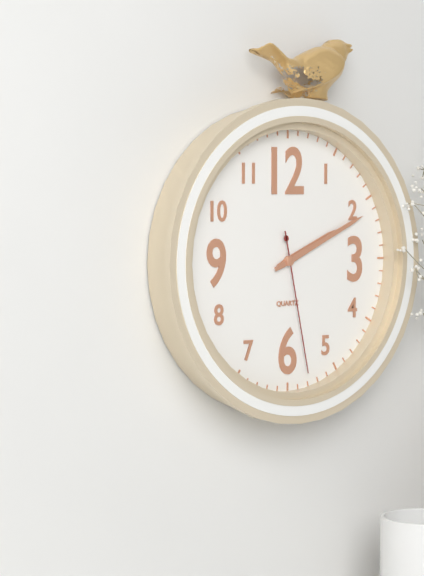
2,11,28
